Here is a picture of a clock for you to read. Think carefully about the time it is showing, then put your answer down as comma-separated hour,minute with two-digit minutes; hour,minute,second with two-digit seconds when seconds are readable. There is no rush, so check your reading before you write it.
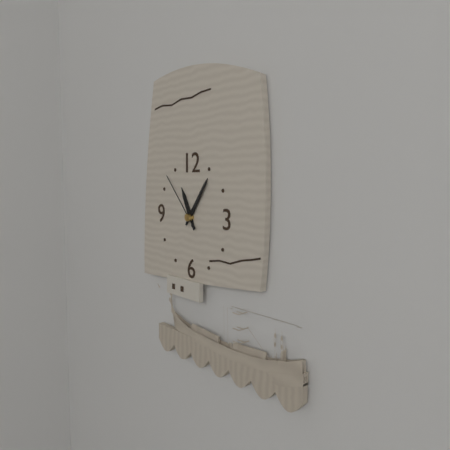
11,06,53
